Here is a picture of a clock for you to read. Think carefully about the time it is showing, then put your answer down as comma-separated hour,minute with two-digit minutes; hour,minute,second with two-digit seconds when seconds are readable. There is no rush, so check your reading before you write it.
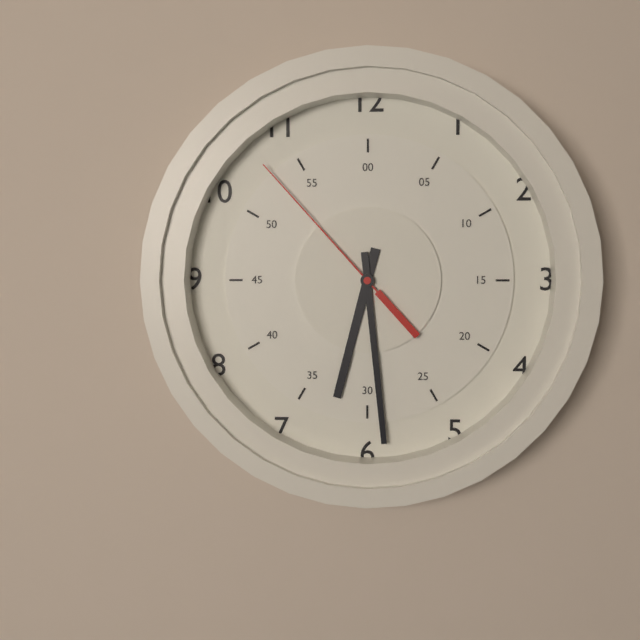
6,29,53
